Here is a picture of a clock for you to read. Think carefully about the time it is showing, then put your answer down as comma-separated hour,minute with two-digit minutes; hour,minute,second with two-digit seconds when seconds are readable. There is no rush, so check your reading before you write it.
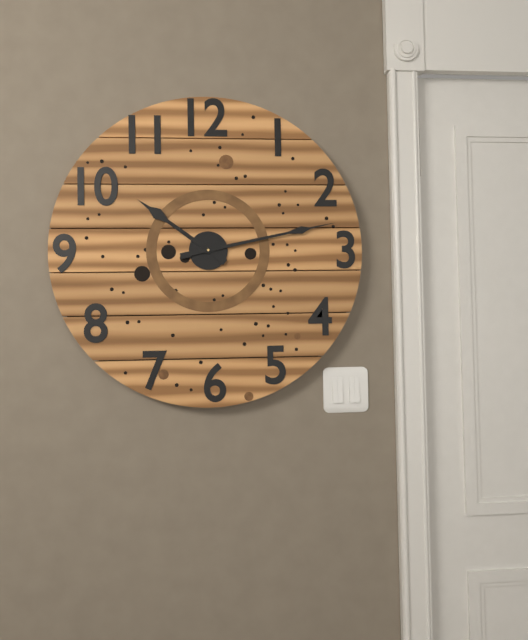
10,13
